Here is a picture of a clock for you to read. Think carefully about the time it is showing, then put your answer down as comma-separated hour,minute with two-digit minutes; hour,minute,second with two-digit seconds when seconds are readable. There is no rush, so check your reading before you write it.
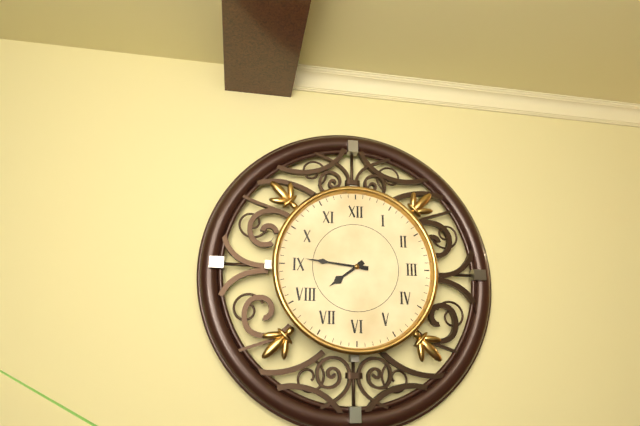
7,46
